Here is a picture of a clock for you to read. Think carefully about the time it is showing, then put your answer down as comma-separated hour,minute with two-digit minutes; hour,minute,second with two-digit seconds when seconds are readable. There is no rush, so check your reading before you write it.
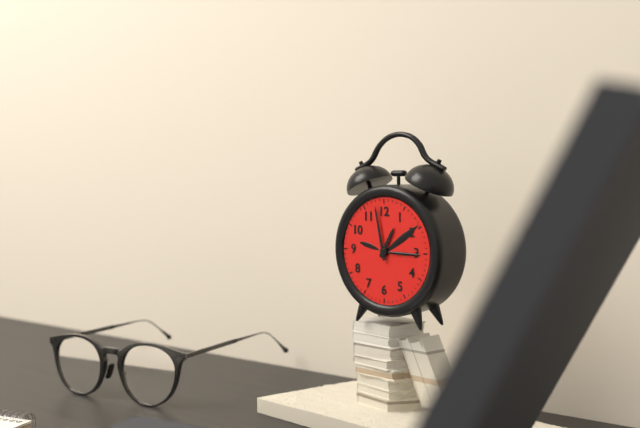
12,58
